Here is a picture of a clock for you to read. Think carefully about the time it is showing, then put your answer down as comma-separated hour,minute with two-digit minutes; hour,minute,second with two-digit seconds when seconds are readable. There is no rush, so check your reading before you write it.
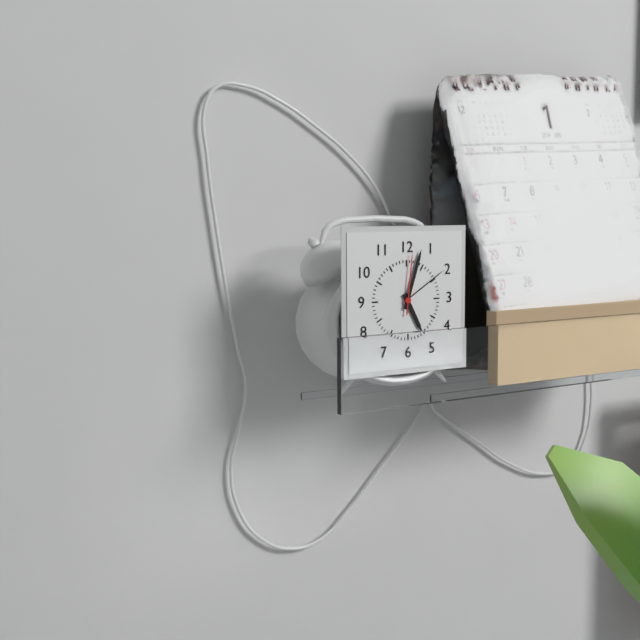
5,03,01
